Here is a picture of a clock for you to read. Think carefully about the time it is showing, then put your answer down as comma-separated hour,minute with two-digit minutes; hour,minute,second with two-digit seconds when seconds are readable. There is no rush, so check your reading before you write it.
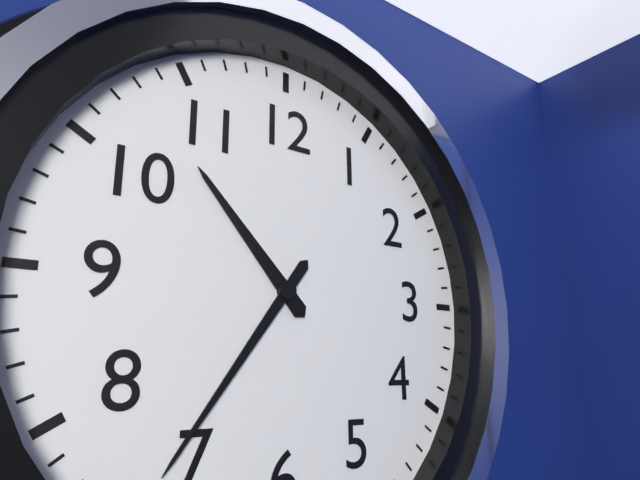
10,36
